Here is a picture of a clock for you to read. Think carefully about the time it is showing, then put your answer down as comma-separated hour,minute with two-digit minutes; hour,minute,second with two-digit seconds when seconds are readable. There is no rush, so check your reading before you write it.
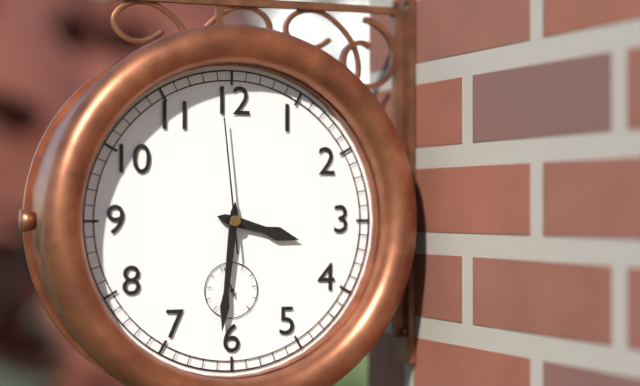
3,31,59
